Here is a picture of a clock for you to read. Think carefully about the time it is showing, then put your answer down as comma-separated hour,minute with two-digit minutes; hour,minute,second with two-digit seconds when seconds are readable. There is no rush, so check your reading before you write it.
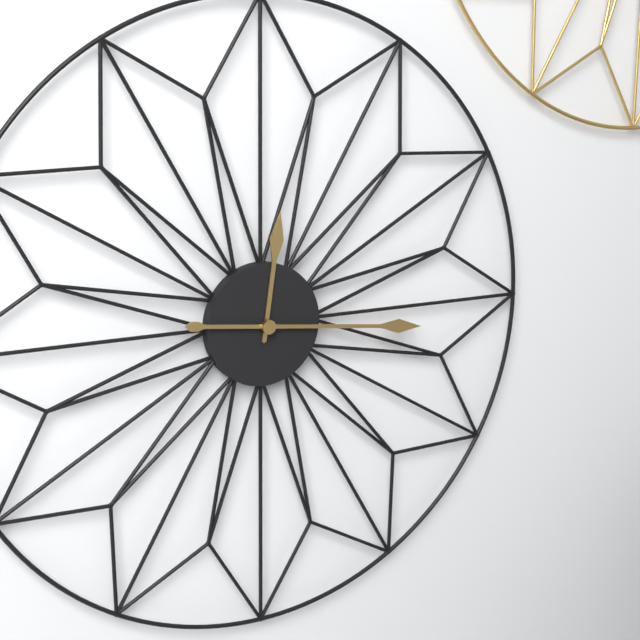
12,16
